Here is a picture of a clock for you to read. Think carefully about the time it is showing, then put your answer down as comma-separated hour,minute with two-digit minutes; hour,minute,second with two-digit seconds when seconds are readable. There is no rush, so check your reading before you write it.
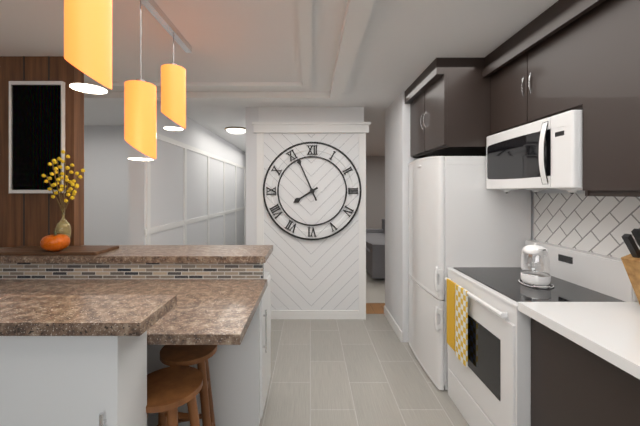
7,56
